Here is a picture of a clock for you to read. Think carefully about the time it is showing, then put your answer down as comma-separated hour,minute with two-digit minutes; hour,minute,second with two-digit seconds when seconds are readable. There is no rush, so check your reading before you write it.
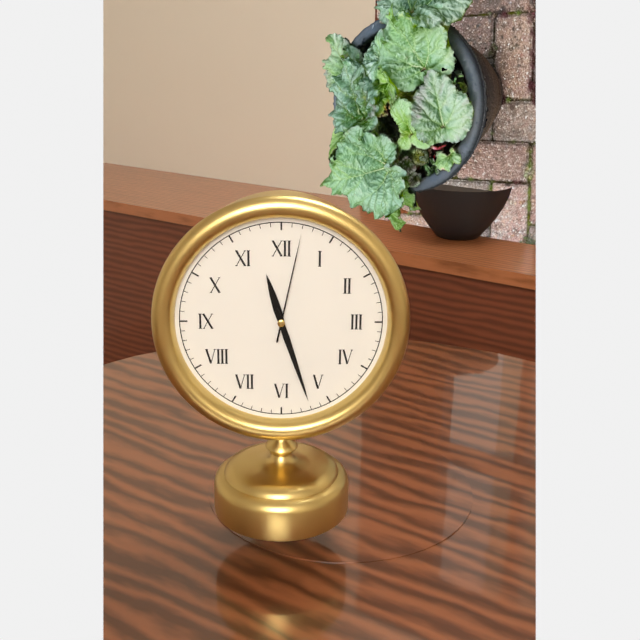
11,27,02
